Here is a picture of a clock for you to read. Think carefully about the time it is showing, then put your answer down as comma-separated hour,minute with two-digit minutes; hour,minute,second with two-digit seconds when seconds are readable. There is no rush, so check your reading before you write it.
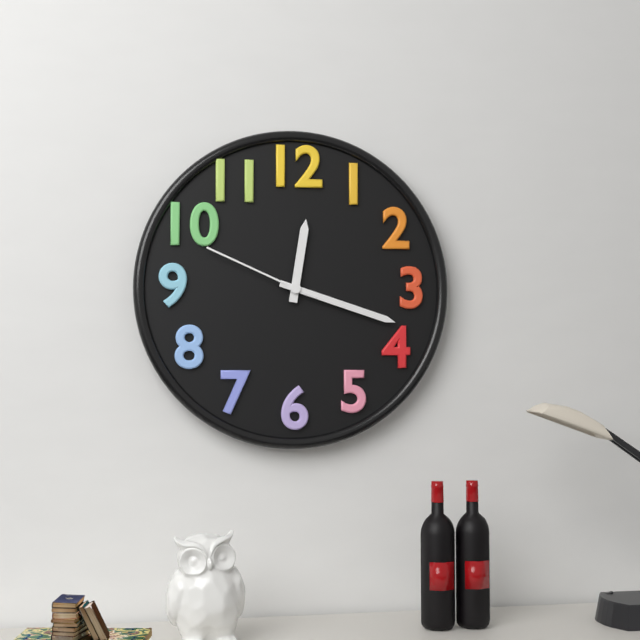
12,18,49
